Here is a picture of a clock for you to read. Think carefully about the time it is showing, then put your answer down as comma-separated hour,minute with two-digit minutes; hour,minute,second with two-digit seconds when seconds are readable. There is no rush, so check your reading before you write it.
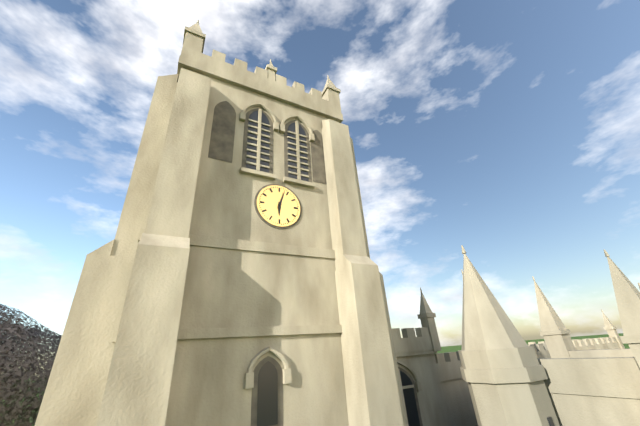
6,03
